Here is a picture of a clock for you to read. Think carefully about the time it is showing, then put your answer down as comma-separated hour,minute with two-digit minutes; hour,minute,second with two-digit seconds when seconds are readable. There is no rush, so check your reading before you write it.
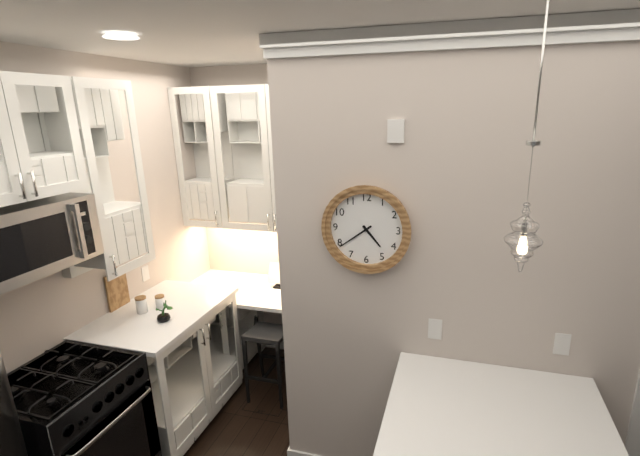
4,39
